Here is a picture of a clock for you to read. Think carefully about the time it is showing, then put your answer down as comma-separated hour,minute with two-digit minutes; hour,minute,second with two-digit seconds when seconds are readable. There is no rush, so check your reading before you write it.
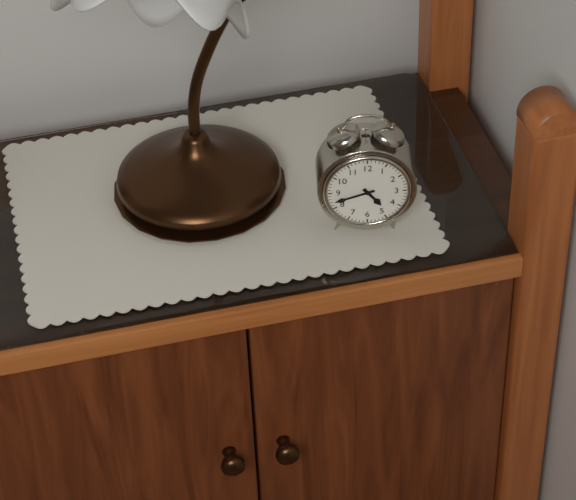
4,42
